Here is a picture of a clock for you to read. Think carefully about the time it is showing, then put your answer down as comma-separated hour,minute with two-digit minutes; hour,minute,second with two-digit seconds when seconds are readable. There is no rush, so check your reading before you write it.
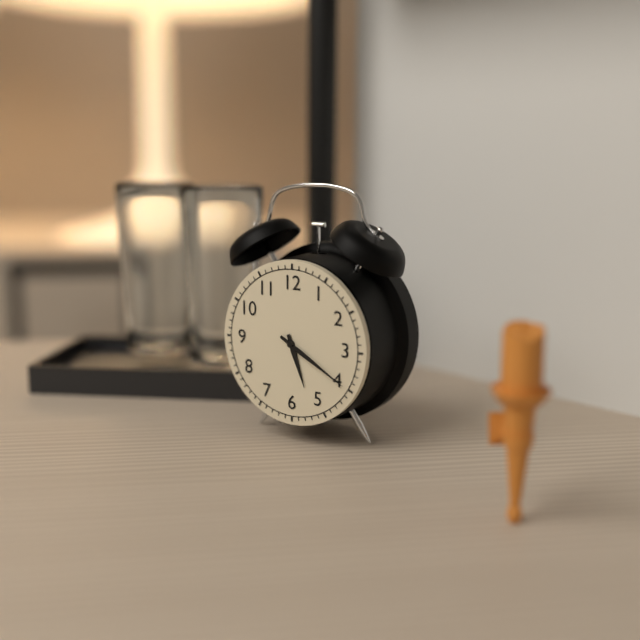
5,20
